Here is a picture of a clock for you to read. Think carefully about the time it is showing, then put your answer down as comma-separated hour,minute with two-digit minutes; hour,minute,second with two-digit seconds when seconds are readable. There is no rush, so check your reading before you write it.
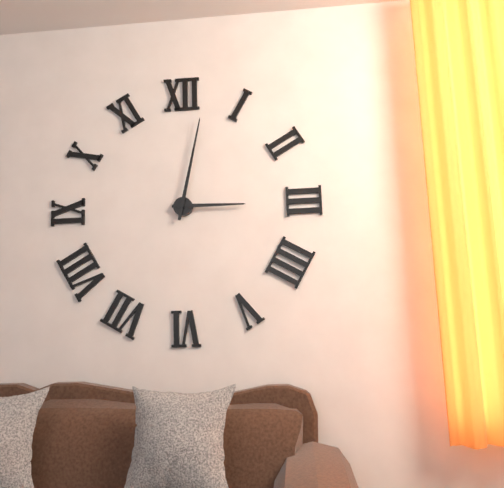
3,02
